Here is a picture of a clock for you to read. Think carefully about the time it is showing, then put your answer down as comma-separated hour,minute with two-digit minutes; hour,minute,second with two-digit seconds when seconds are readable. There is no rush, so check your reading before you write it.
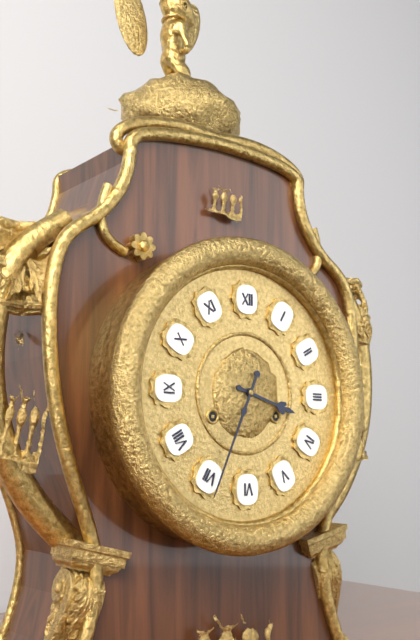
3,34
